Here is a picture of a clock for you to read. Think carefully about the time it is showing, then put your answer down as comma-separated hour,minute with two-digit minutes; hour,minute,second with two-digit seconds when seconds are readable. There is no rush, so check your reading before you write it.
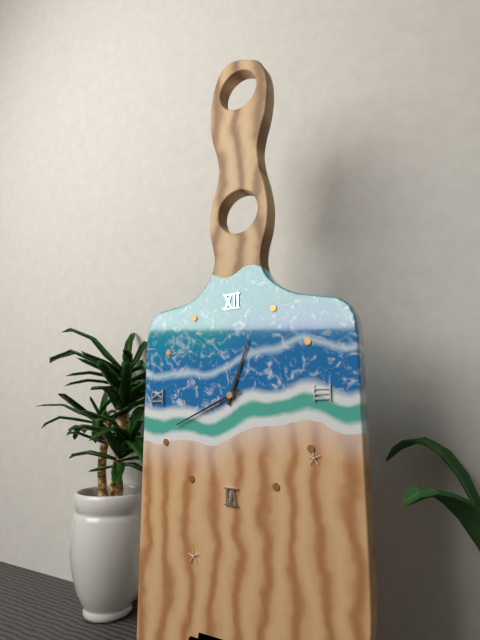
12,41
